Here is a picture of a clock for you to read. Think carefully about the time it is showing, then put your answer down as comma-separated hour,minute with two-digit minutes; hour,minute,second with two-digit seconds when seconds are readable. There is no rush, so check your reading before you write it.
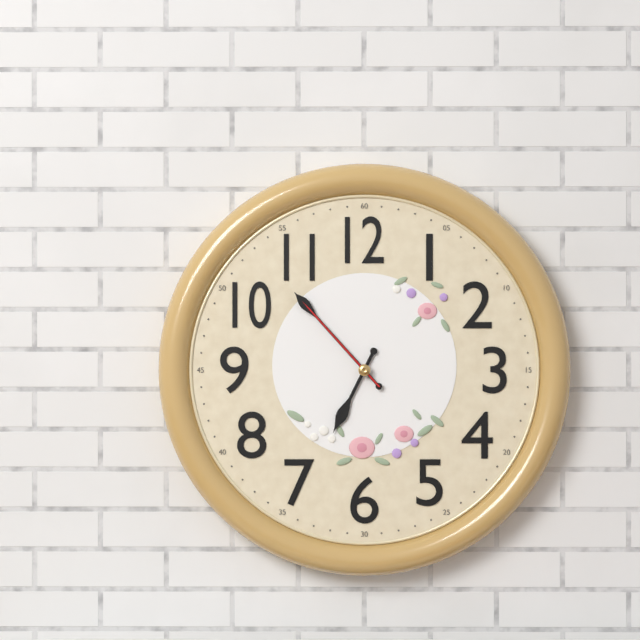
6,53,53
